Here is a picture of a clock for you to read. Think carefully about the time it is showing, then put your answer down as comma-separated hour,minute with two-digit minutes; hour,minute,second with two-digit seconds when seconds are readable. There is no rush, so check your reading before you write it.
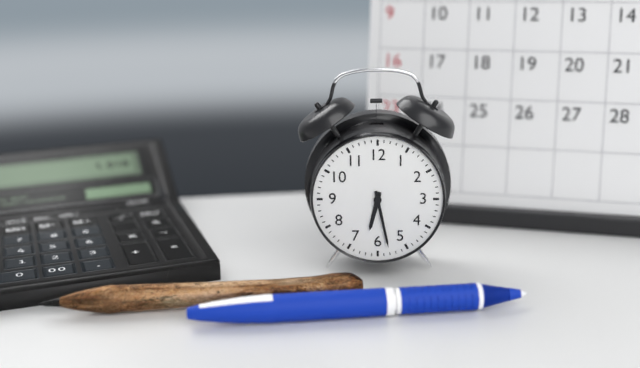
6,28
